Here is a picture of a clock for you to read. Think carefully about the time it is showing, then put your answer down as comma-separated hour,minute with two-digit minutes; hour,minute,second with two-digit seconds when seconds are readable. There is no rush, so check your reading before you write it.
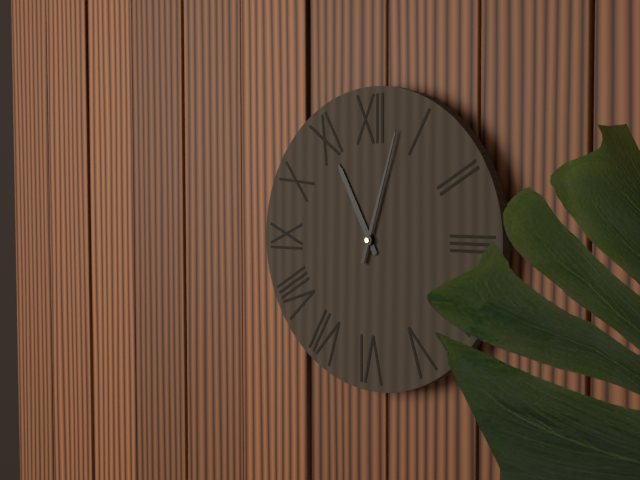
11,03
